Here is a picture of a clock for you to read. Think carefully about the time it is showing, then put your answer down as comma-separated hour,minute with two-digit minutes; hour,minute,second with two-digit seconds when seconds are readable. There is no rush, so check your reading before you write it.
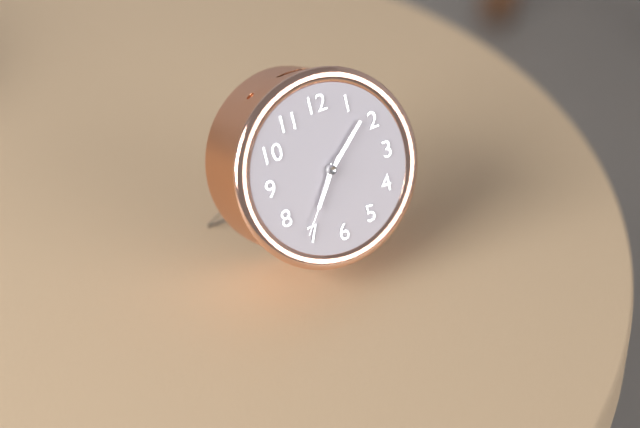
7,08,36
